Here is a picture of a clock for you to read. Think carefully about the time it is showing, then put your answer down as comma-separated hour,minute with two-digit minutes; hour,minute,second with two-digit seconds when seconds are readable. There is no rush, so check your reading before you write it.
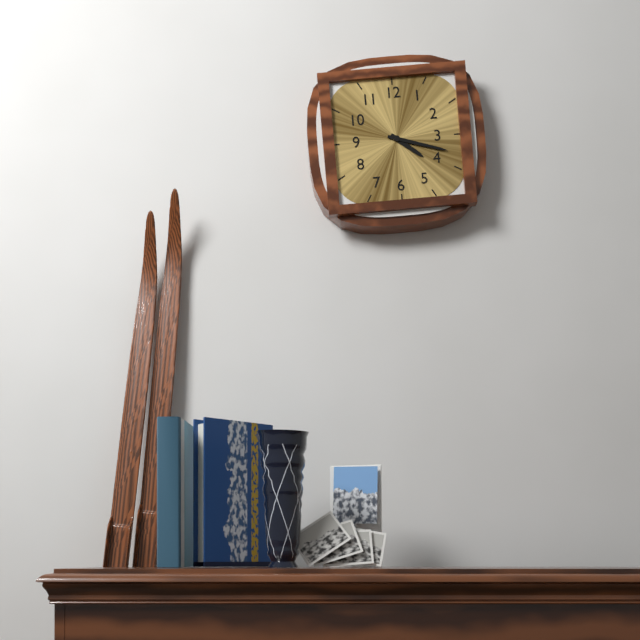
4,18
